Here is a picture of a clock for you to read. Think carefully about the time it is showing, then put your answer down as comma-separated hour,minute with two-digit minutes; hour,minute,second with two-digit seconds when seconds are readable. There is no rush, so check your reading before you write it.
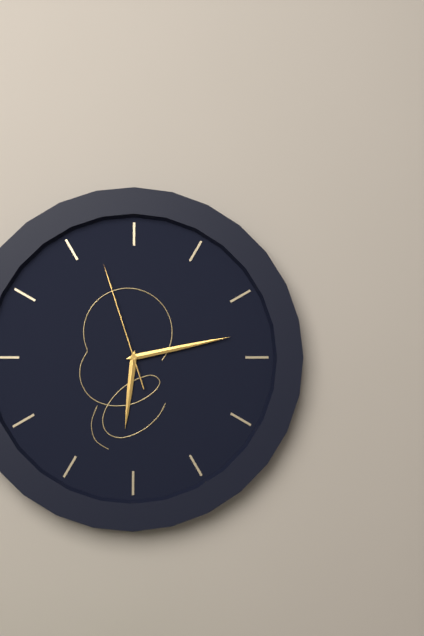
6,13,57
